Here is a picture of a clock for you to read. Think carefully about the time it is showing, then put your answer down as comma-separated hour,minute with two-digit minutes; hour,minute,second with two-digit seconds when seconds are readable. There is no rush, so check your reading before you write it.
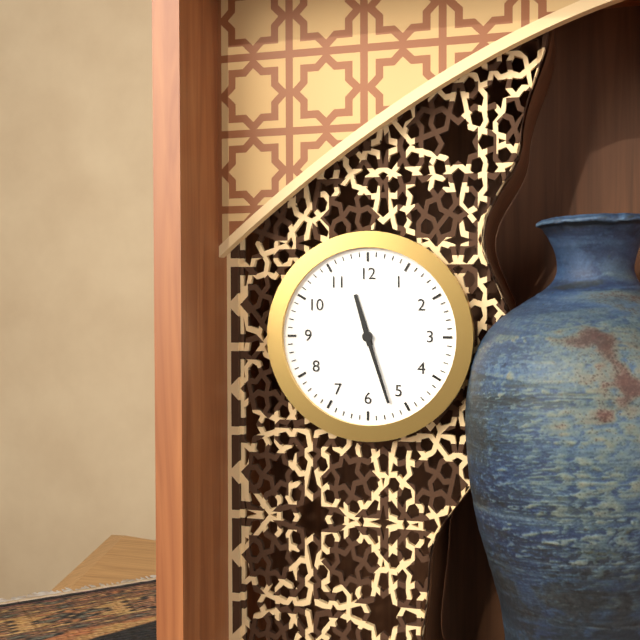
11,27
